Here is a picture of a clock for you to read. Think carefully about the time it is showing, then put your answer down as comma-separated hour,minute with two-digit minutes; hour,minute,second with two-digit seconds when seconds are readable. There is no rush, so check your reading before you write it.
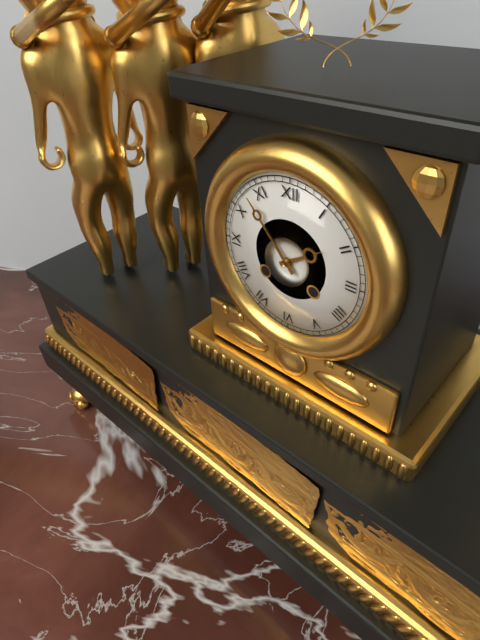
1,53
